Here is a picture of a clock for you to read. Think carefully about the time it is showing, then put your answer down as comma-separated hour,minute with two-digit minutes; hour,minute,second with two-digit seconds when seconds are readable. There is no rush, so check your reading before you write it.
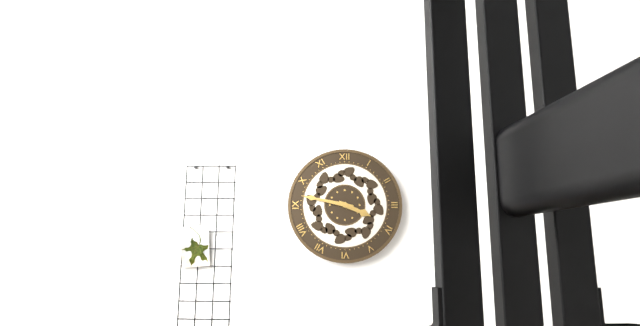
3,47
